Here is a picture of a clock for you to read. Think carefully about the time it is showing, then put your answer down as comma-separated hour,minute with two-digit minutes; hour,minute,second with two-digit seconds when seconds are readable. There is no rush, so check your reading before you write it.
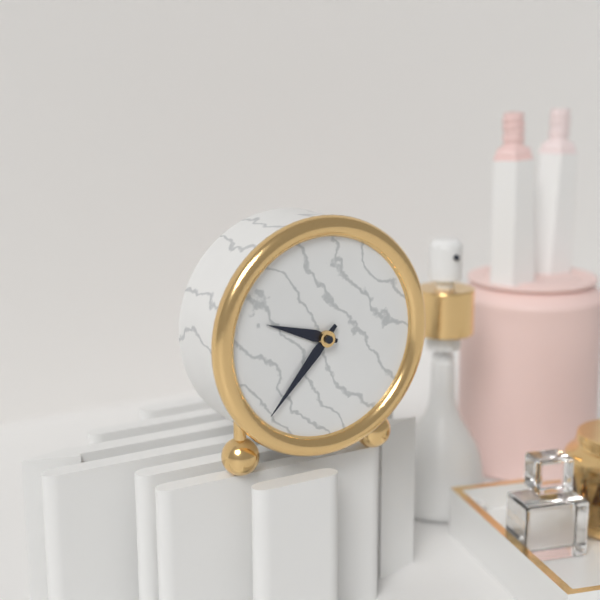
9,37
